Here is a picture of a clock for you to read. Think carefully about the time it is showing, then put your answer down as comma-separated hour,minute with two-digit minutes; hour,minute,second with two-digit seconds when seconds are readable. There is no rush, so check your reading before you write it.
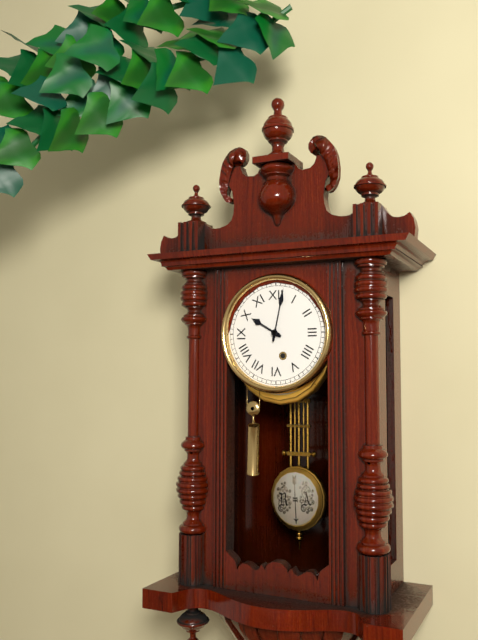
10,02
